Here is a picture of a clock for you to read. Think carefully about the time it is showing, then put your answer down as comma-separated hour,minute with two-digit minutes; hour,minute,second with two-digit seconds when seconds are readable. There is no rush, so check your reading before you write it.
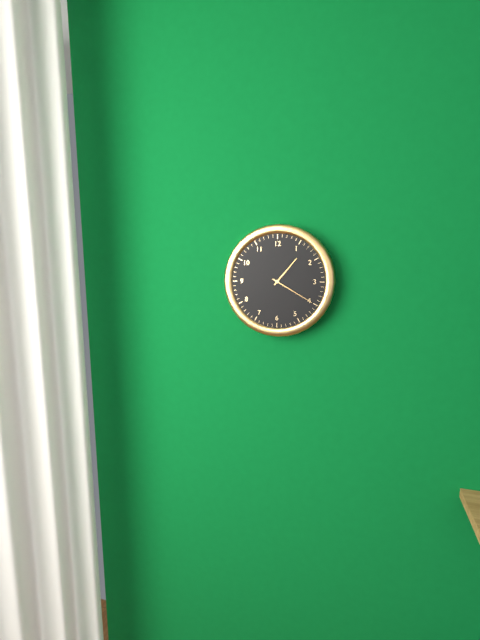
1,20
